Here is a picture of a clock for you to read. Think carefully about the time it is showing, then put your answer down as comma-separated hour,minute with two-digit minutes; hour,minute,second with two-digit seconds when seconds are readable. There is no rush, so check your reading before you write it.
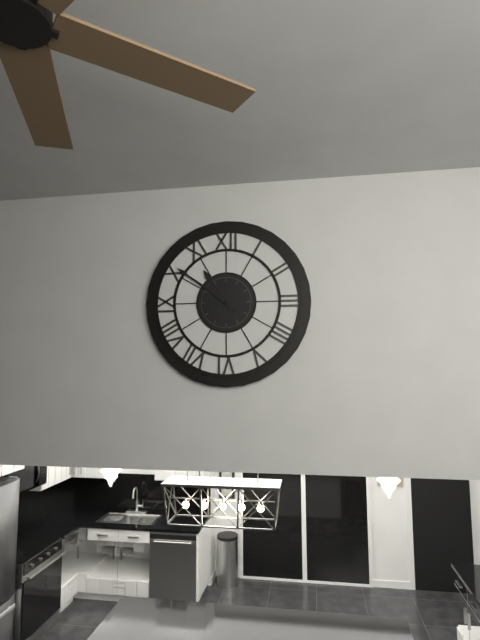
10,51
